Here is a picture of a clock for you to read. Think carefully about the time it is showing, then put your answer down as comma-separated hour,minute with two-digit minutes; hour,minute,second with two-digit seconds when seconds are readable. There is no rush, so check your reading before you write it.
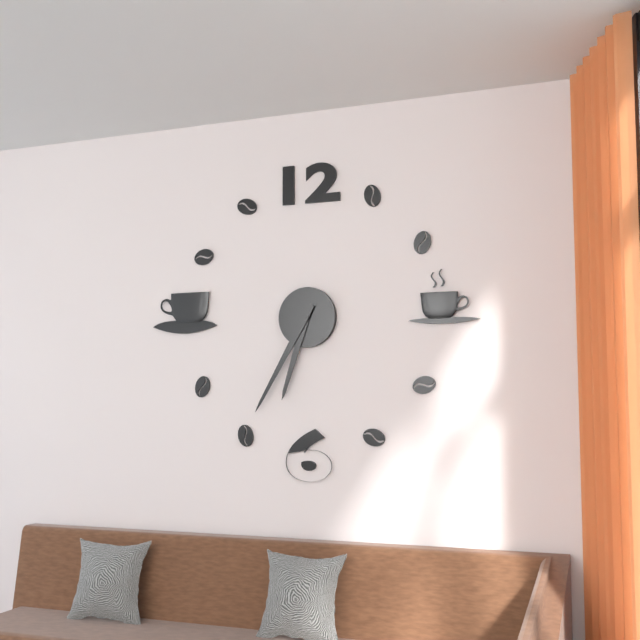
6,35
